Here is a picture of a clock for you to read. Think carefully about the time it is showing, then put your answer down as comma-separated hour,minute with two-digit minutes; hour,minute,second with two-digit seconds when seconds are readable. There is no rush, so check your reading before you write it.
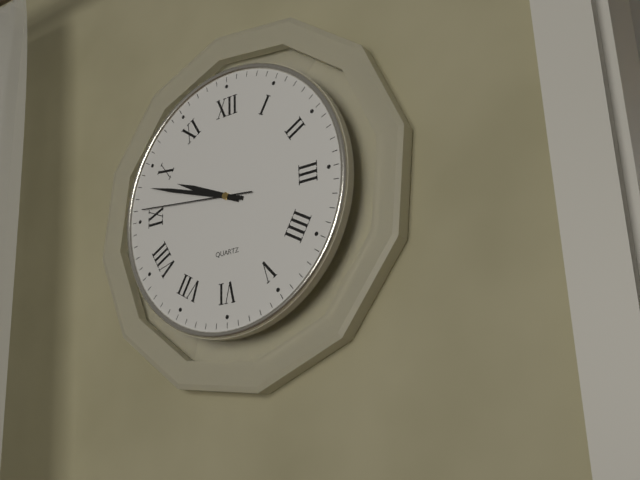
9,48,46
